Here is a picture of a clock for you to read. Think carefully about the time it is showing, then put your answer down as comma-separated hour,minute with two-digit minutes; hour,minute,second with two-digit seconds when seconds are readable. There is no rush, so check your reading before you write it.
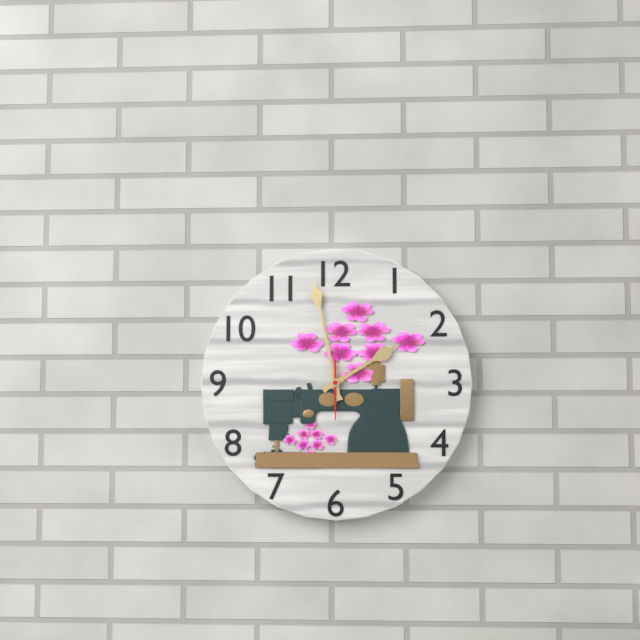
1,58
